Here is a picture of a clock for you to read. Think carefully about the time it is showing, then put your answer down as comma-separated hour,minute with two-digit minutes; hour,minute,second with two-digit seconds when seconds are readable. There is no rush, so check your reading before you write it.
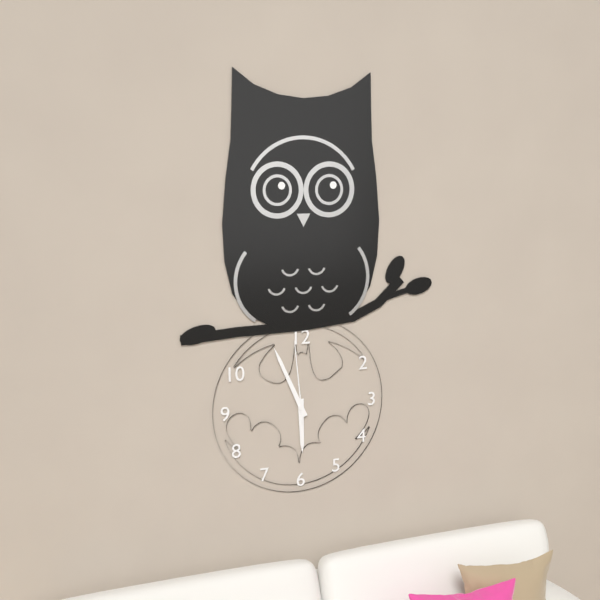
5,56,59
